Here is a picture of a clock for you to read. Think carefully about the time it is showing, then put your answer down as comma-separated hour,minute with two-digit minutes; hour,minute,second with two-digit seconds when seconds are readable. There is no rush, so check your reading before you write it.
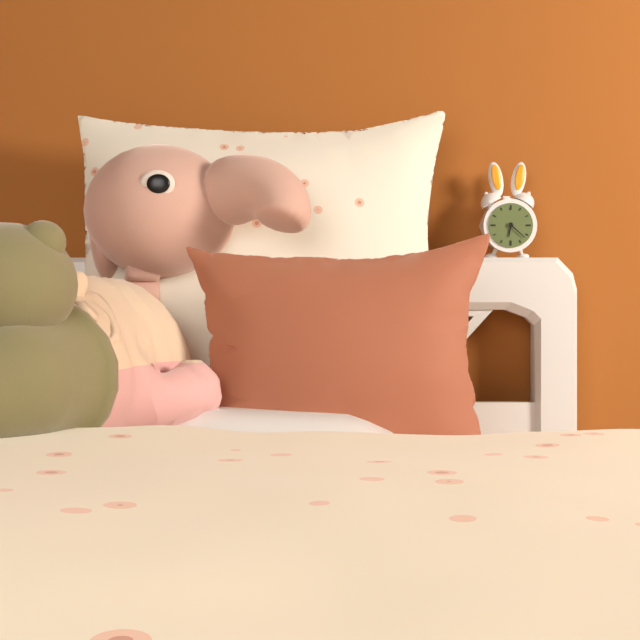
6,22
